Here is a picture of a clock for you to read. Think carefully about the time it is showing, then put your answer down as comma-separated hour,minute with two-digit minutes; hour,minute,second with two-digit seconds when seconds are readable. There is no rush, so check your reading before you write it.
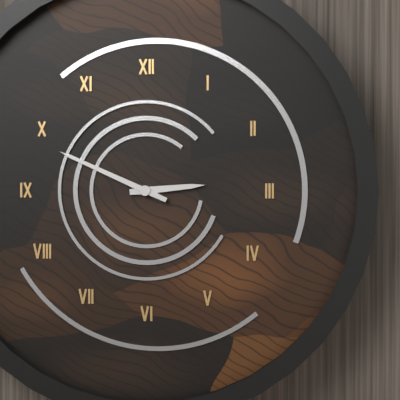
2,49
